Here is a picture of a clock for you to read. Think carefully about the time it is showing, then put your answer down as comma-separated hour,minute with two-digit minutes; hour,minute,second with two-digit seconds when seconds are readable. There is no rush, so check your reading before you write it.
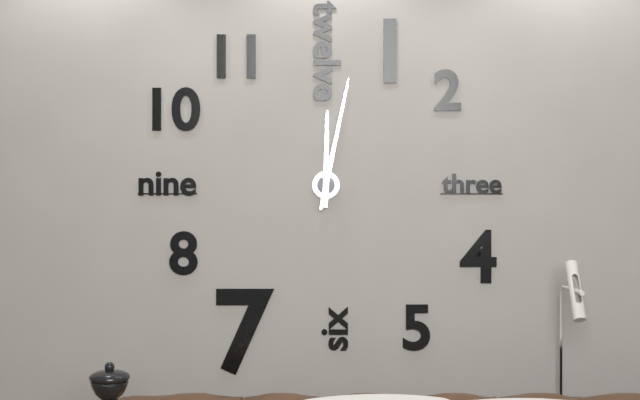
12,02
